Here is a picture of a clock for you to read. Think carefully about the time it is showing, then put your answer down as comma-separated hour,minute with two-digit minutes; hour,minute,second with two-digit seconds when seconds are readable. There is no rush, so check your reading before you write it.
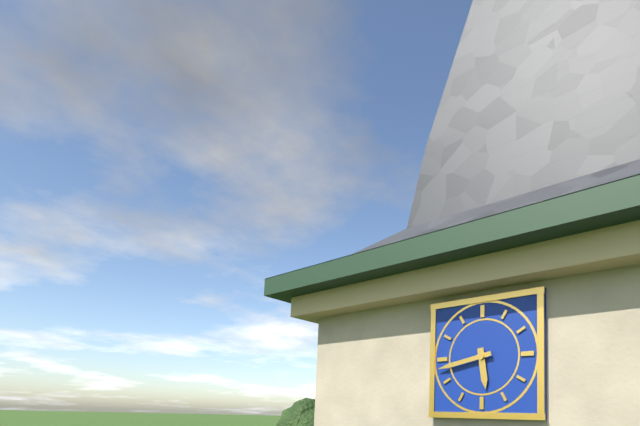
5,43
